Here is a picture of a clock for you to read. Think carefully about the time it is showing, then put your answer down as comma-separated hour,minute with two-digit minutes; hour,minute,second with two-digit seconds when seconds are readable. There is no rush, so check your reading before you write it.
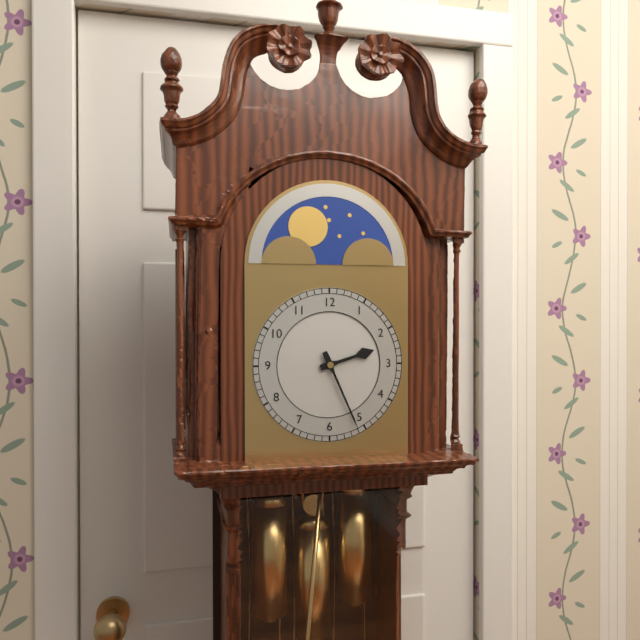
2,26
